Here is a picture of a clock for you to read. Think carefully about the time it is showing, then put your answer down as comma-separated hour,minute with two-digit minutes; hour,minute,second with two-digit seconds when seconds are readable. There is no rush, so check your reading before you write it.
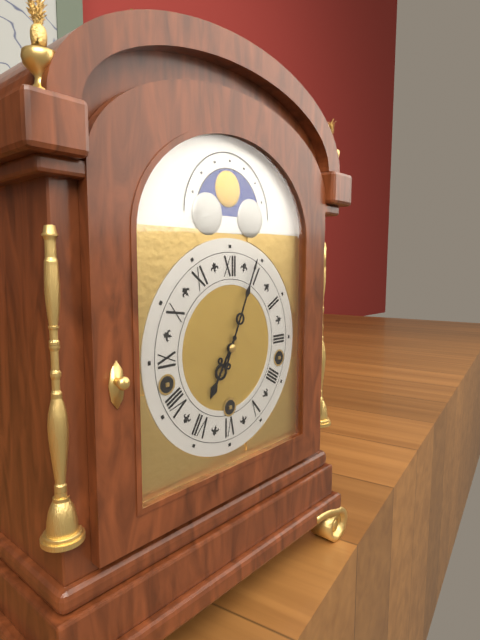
7,04
